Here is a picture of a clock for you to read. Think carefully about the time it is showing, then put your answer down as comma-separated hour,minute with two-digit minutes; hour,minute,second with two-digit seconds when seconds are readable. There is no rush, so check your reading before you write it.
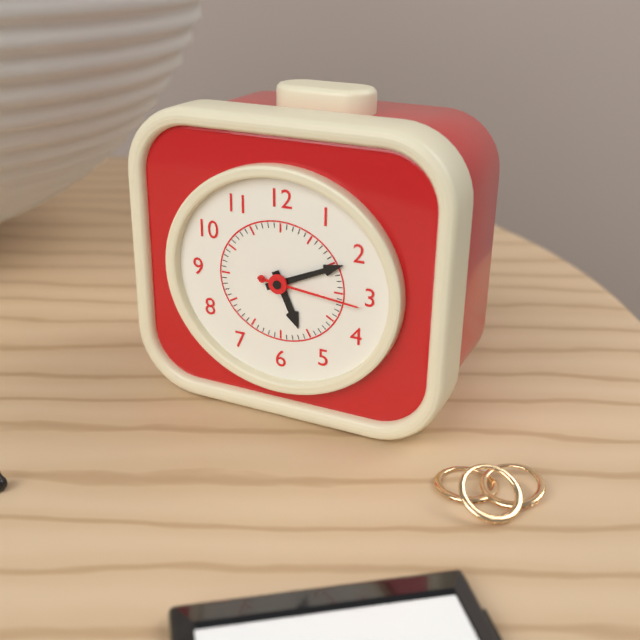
5,11,16
